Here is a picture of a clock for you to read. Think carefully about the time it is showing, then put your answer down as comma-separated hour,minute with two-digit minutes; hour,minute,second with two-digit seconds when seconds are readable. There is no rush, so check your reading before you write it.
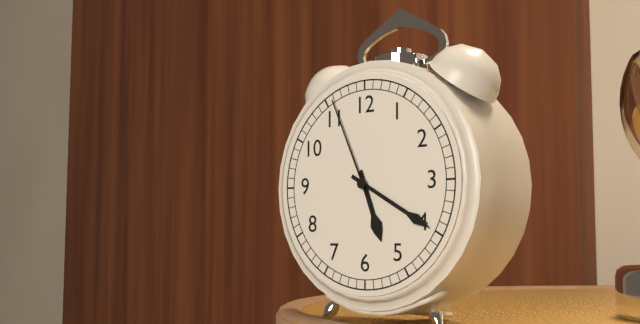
5,20,56
